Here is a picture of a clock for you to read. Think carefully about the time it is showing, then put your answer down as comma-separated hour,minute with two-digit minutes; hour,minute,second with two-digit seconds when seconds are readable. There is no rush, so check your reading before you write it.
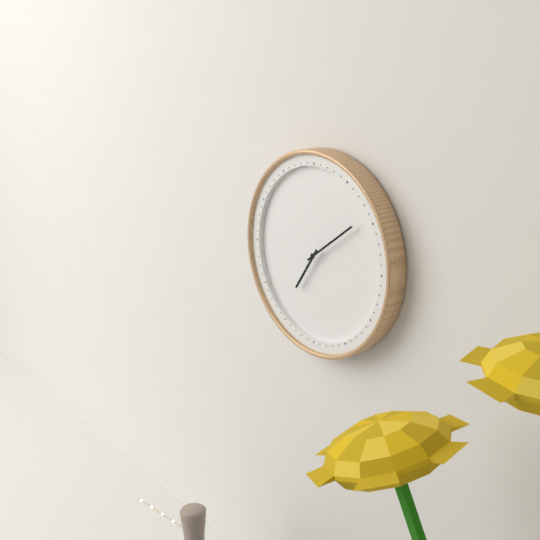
7,09
